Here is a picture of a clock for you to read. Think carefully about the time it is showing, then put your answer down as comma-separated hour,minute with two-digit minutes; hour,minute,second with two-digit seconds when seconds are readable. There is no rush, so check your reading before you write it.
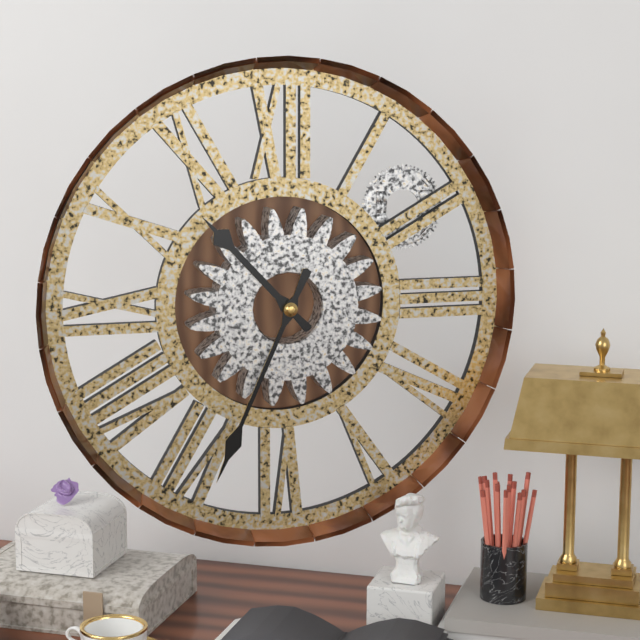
10,34
